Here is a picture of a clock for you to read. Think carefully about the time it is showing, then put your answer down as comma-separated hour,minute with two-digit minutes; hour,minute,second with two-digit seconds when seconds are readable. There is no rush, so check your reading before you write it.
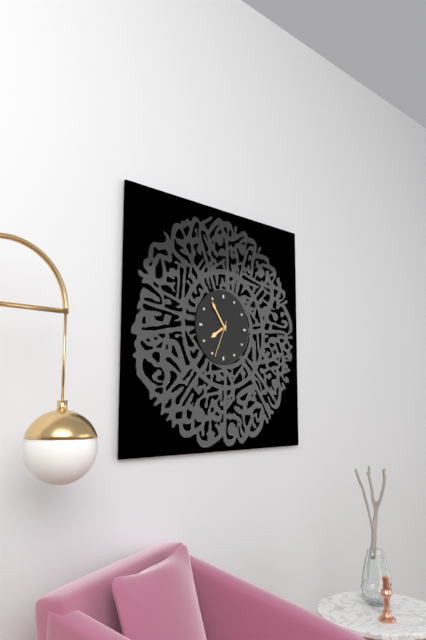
7,54
